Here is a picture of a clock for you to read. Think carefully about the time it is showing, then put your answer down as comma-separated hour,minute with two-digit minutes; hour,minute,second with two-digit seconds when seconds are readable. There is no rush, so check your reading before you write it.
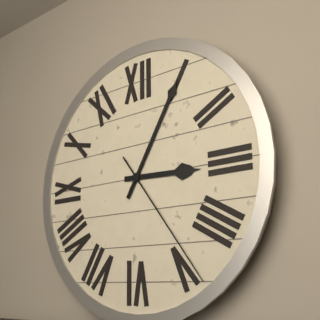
3,05,24
